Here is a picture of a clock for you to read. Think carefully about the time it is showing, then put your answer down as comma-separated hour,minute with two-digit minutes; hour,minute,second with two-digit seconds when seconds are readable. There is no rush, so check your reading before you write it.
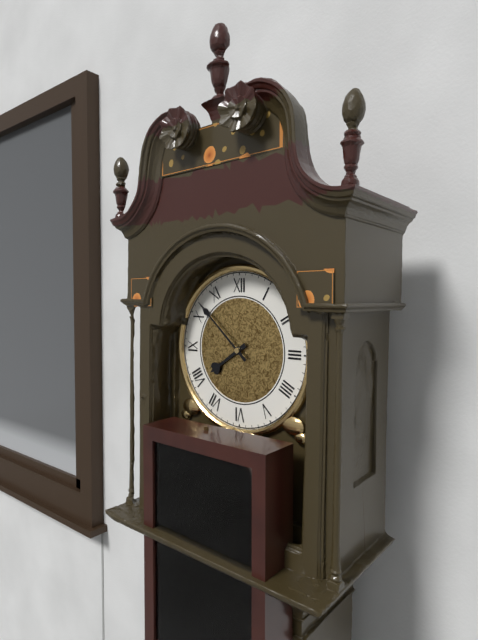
7,52
